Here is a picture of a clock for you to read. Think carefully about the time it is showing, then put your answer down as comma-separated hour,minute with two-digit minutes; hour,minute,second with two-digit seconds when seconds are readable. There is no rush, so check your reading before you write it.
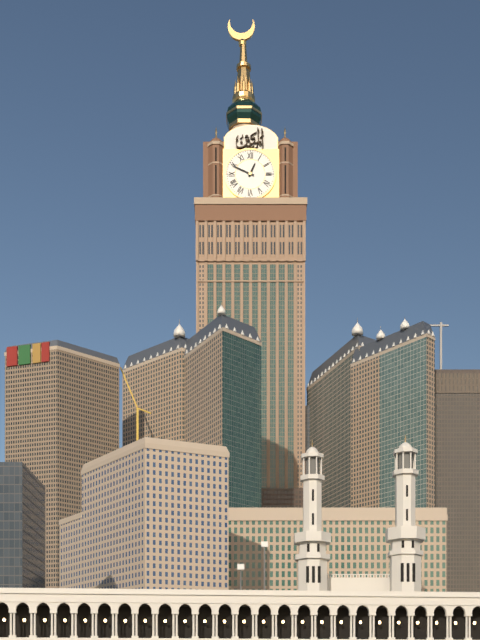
12,49
